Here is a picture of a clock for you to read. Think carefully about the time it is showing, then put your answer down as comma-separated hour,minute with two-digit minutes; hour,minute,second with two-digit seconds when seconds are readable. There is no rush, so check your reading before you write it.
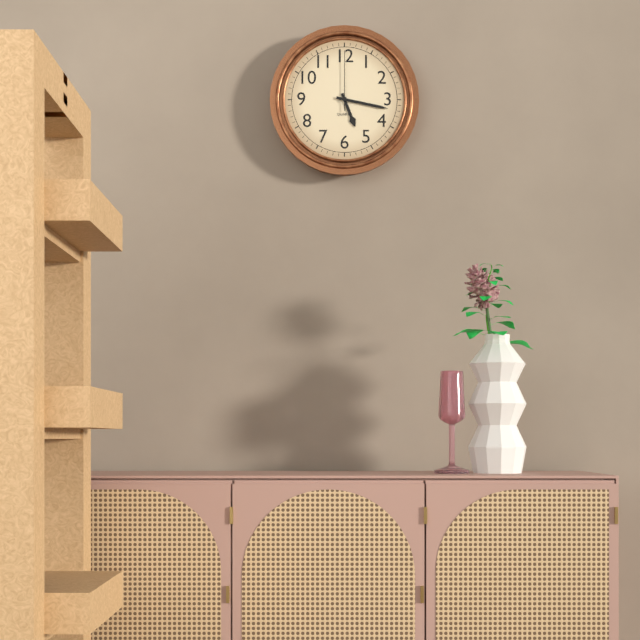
5,17,00
